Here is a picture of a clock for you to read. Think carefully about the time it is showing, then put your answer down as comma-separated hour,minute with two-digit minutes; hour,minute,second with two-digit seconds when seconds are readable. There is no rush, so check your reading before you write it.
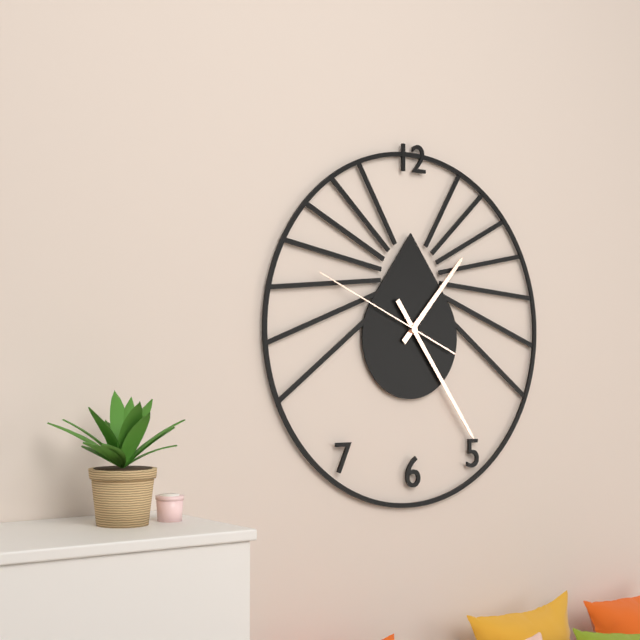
1,24,49
